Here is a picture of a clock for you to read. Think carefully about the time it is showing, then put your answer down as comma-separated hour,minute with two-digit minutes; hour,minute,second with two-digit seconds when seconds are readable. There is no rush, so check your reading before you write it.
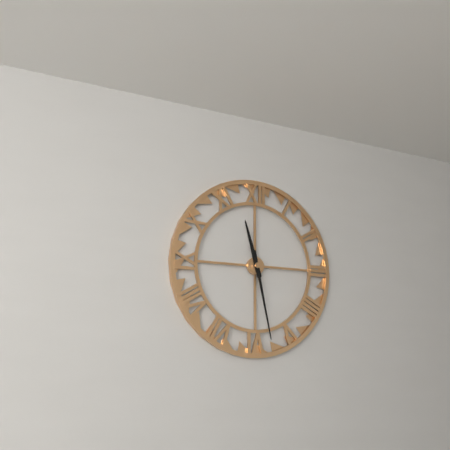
11,28
